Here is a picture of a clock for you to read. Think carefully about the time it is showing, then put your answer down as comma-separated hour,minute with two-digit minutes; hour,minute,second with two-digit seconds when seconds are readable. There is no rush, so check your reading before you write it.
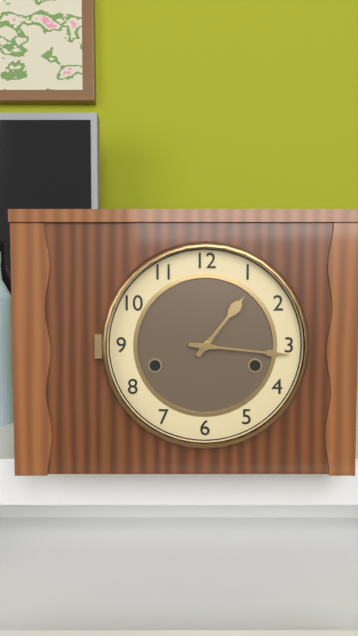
1,16
